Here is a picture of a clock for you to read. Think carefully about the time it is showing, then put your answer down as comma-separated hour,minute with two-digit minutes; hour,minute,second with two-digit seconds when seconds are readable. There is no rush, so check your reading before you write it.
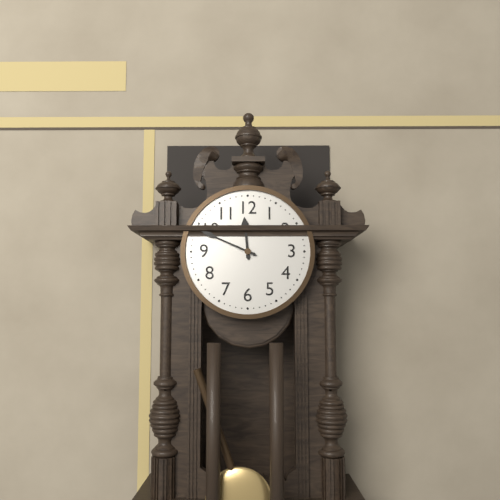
11,49
